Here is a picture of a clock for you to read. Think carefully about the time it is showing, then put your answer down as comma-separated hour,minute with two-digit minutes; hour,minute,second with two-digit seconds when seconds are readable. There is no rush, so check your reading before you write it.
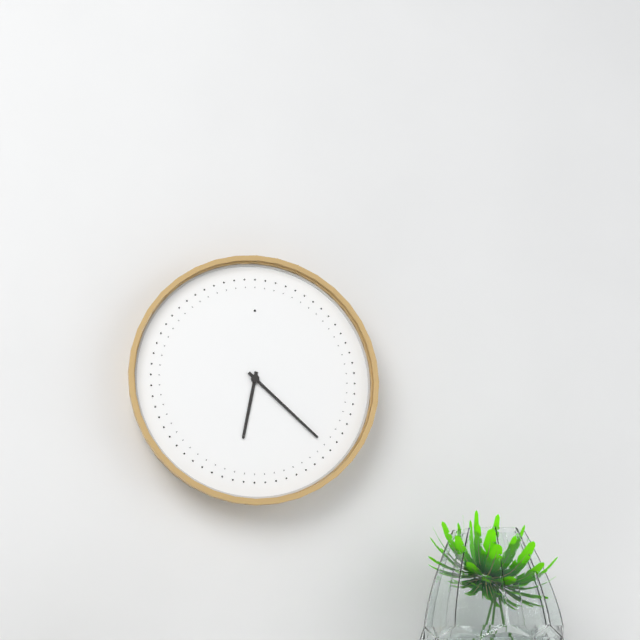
6,22
